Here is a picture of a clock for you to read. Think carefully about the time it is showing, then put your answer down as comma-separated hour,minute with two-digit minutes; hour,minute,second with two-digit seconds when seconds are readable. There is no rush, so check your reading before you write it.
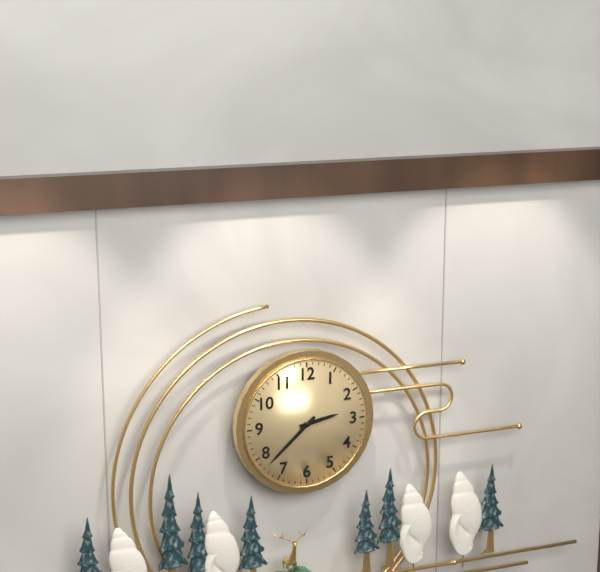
2,38
